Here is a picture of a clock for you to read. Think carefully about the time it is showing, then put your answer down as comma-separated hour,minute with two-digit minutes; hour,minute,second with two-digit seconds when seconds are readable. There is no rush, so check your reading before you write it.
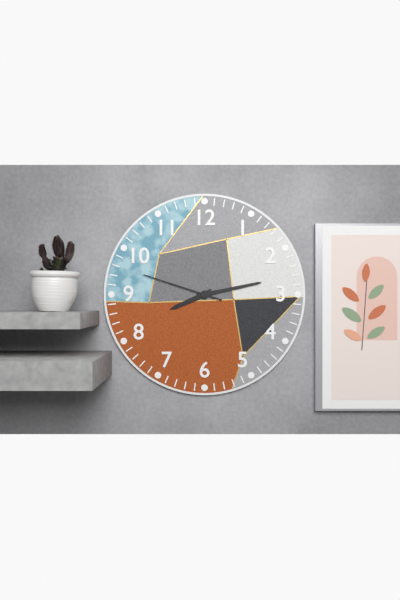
8,13,48
